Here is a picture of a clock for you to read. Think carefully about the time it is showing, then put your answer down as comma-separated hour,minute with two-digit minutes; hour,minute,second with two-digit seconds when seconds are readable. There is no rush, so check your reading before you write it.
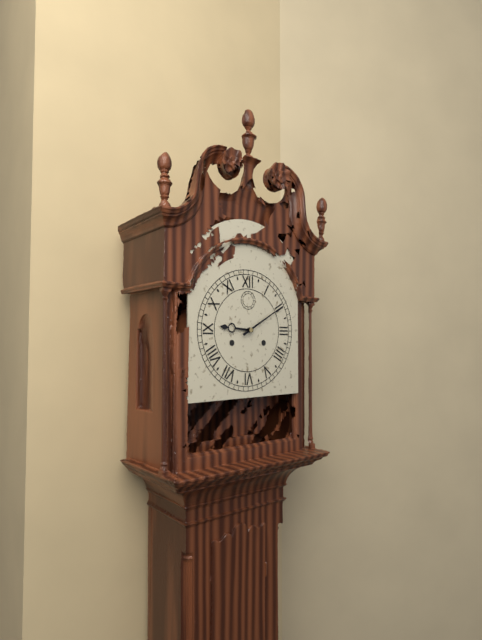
9,10
